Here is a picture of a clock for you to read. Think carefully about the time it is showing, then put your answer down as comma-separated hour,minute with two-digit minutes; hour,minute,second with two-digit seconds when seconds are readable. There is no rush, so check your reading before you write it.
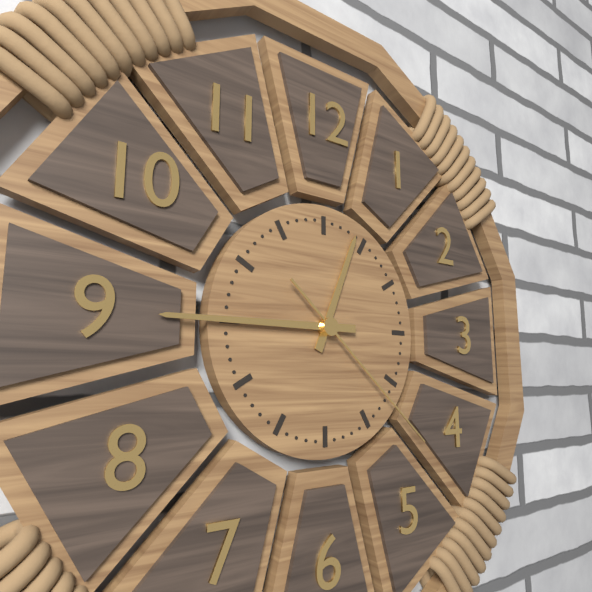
12,45,22
